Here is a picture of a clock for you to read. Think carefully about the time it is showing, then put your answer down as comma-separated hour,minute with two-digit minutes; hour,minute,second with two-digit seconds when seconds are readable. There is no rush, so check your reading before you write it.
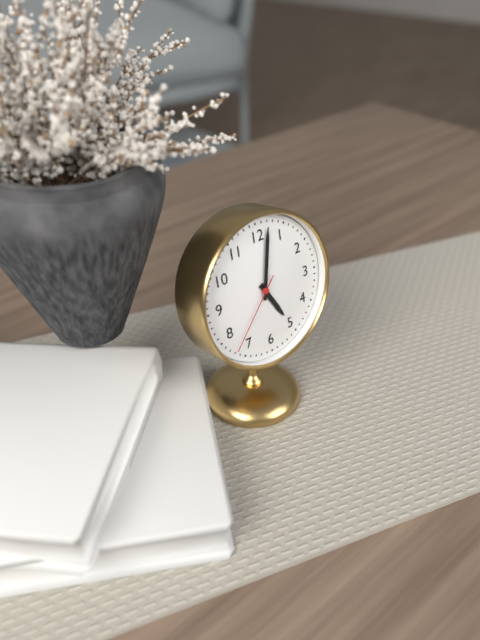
5,02,37
